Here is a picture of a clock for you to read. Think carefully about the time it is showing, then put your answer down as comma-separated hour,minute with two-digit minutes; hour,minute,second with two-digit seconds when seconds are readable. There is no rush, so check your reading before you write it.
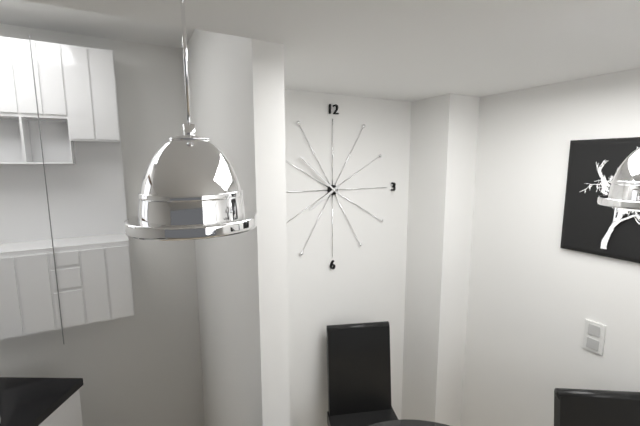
7,52
